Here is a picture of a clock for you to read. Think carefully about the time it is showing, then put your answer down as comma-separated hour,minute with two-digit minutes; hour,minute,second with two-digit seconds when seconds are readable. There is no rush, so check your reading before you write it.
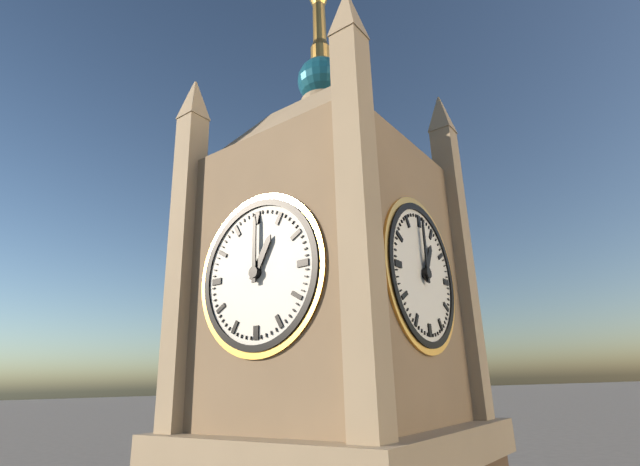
1,00
